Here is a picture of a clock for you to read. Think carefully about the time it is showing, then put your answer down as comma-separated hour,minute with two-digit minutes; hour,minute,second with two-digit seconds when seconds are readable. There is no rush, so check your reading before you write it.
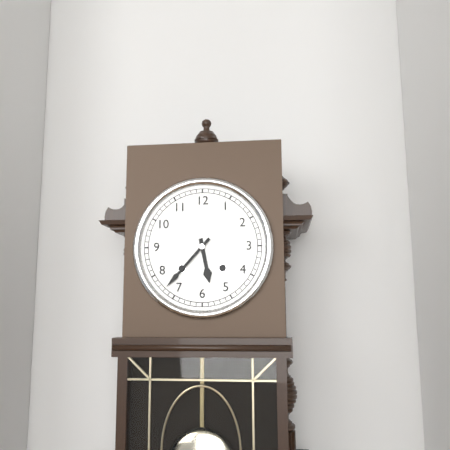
5,37
